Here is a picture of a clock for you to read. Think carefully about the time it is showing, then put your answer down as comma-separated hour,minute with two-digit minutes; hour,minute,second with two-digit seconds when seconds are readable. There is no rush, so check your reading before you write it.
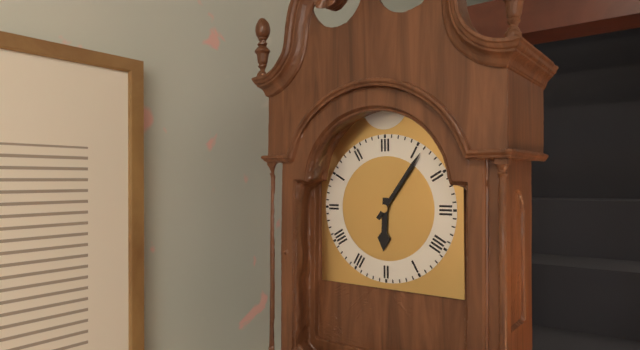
6,06
